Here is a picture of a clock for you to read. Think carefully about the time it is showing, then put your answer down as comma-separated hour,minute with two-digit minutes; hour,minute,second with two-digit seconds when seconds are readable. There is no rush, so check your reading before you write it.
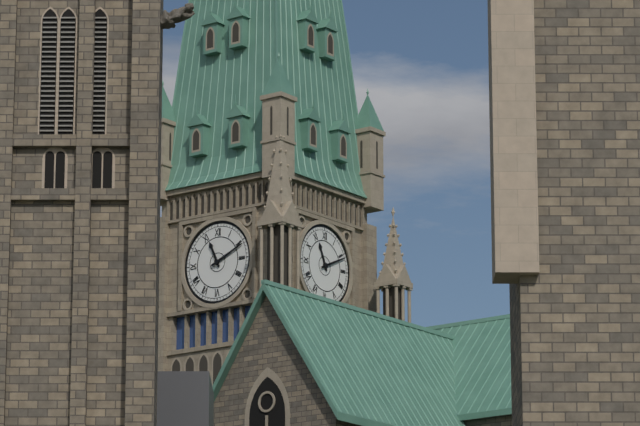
11,11
